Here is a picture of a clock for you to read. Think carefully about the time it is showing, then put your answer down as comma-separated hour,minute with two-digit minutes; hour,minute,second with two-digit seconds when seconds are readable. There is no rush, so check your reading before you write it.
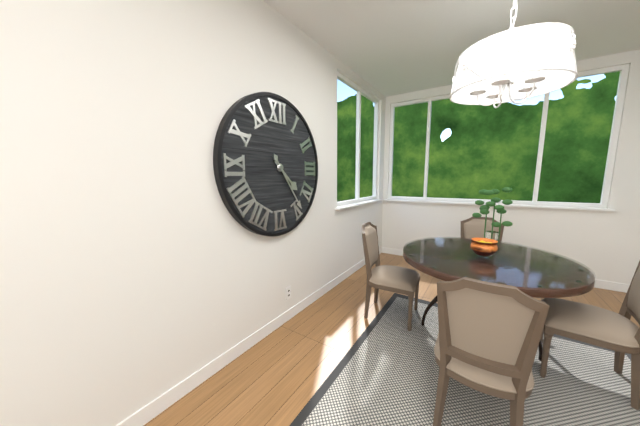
4,24
